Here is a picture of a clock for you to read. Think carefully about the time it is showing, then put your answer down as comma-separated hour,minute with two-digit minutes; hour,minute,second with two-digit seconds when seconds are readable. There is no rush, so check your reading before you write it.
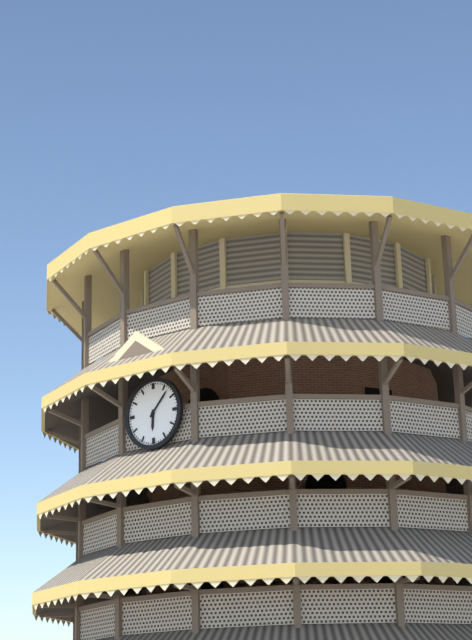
6,07
